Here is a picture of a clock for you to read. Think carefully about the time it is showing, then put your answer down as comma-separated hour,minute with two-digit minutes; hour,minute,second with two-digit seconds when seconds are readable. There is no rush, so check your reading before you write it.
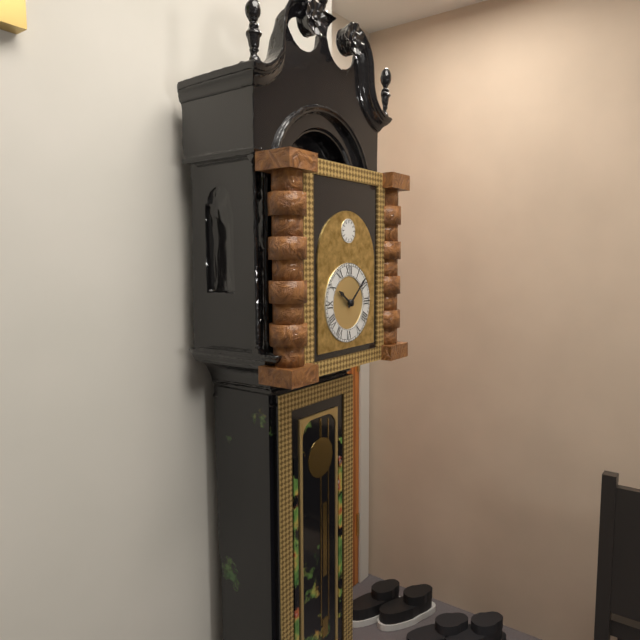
10,08
